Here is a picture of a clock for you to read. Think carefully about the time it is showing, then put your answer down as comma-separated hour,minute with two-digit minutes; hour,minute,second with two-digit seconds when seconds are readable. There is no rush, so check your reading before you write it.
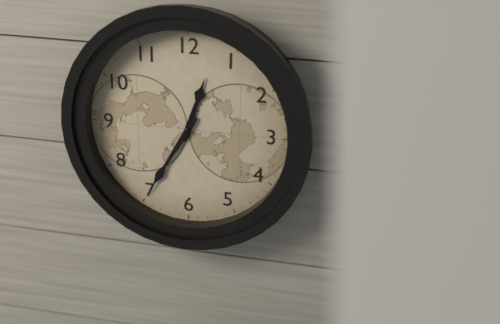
12,35
